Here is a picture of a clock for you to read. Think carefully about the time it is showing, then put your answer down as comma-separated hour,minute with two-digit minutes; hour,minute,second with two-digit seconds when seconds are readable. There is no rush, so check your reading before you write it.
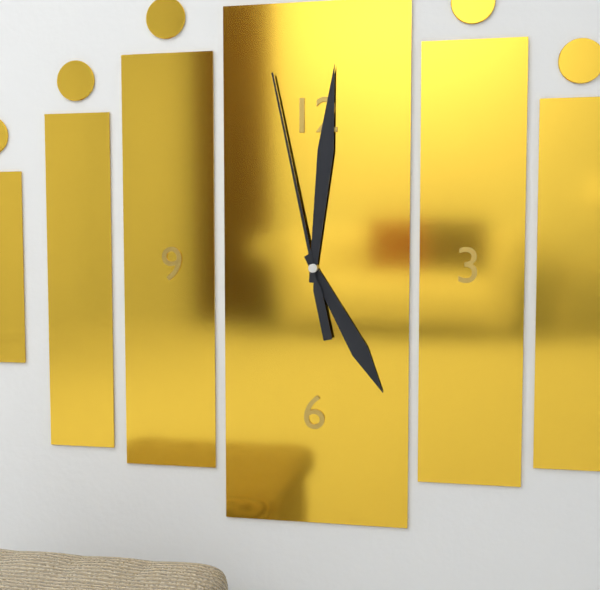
5,01,58
